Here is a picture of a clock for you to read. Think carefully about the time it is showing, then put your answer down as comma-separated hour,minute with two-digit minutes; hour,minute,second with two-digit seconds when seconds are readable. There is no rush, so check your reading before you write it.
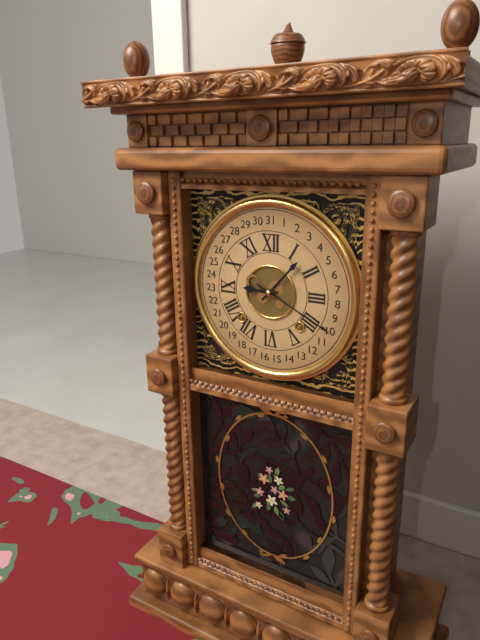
9,07
